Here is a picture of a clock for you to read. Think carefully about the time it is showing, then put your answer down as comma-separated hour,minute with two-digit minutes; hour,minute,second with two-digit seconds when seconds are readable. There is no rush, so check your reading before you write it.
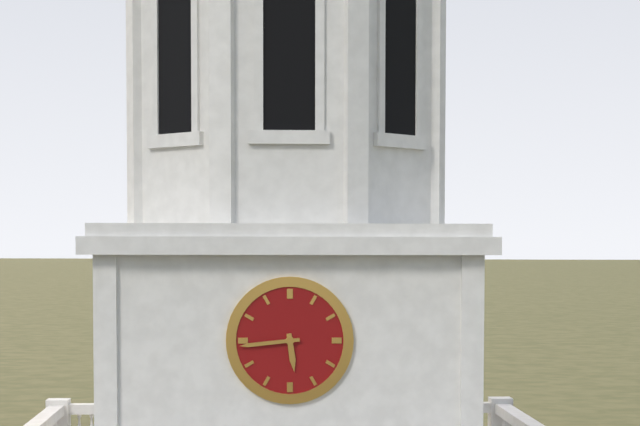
5,44
